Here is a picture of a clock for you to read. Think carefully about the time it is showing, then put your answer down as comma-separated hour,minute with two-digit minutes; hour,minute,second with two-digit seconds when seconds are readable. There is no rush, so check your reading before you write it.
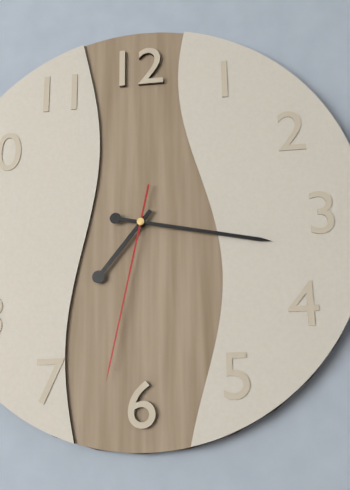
7,17,32
